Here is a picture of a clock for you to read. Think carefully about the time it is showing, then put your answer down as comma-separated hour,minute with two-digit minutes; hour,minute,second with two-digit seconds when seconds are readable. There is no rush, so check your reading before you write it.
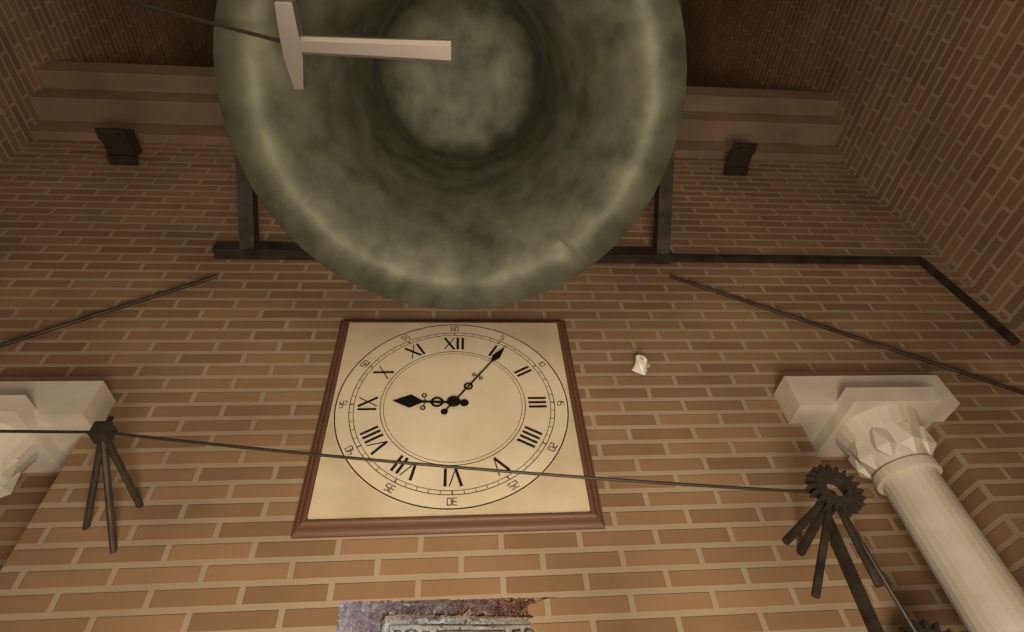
9,06
